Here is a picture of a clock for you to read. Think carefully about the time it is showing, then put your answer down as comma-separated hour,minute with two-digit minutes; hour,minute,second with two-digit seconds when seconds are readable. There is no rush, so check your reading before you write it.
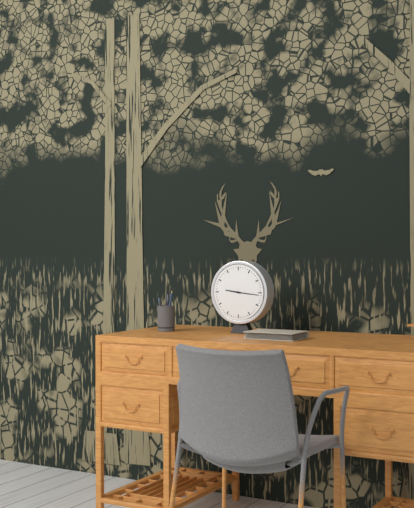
9,16
